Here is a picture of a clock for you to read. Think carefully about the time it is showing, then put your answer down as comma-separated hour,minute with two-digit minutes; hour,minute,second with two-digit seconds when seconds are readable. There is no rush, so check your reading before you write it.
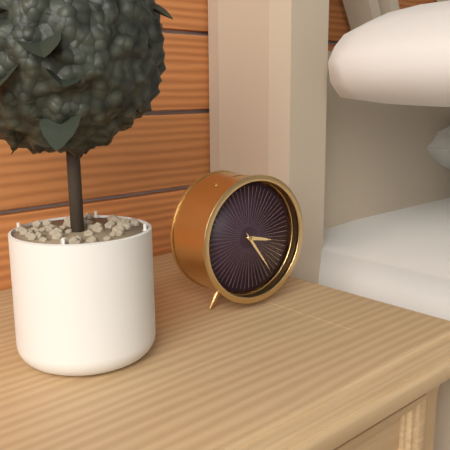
3,24
